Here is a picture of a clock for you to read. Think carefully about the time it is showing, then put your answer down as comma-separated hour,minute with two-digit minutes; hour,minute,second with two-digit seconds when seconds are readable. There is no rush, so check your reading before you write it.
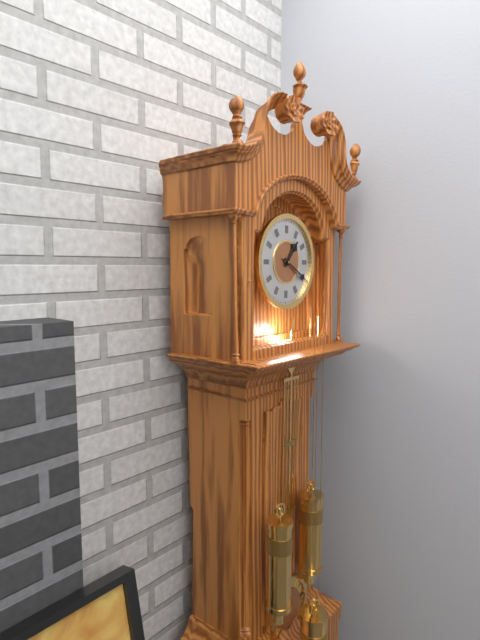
1,20
